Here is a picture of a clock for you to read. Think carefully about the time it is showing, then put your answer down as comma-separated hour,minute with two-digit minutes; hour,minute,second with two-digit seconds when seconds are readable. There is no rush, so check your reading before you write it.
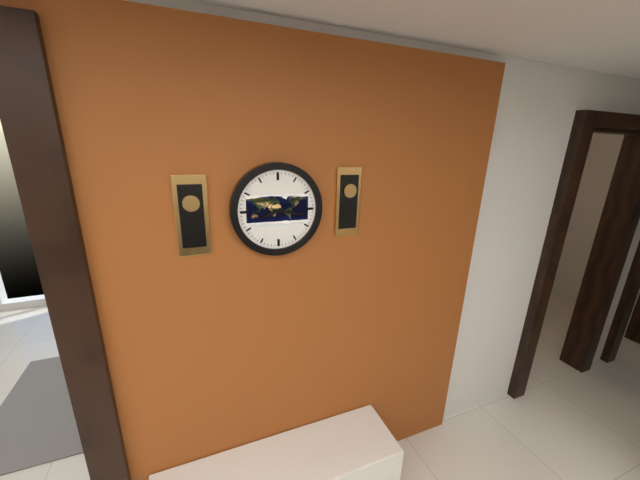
8,17
